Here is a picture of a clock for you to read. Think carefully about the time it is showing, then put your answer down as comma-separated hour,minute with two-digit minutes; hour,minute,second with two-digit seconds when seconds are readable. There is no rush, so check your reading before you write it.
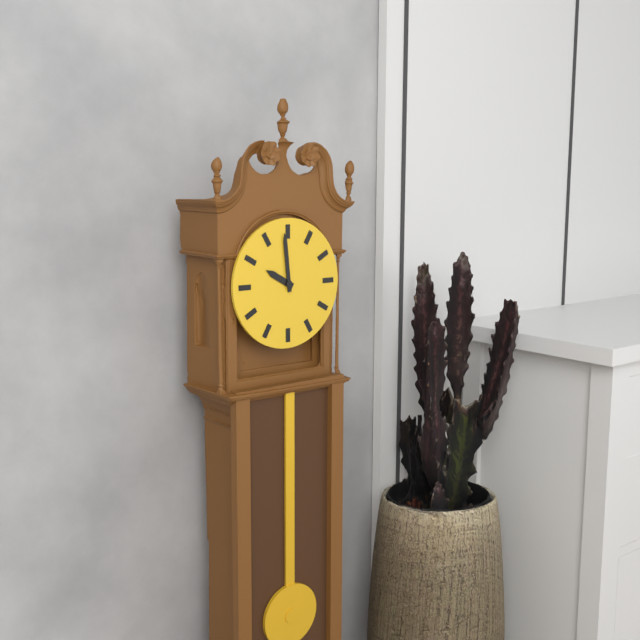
9,59
